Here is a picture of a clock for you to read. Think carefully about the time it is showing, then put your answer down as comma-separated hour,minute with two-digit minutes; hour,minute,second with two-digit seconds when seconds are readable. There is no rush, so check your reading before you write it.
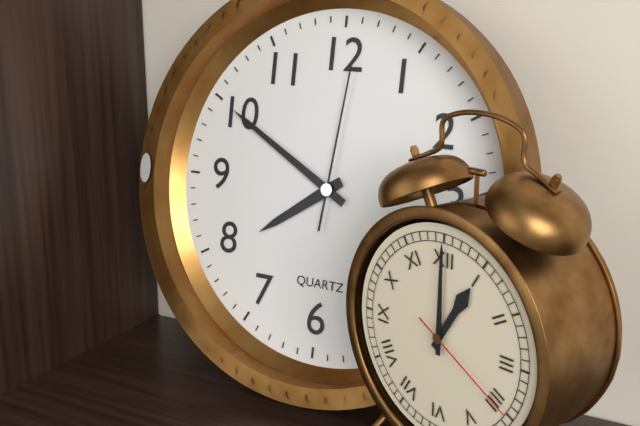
7,50,01
